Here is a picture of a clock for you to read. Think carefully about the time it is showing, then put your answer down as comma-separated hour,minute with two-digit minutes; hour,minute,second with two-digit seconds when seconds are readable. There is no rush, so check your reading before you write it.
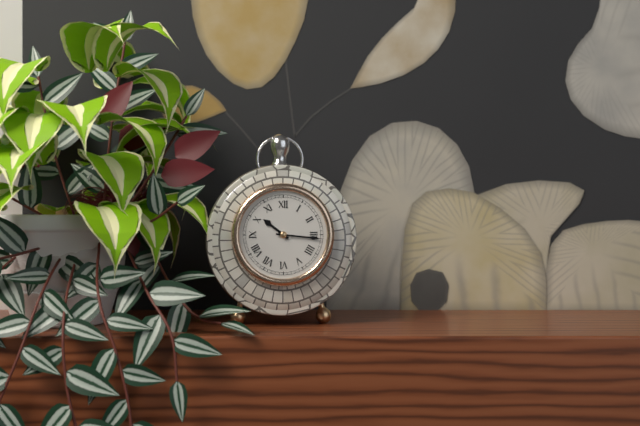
10,16
